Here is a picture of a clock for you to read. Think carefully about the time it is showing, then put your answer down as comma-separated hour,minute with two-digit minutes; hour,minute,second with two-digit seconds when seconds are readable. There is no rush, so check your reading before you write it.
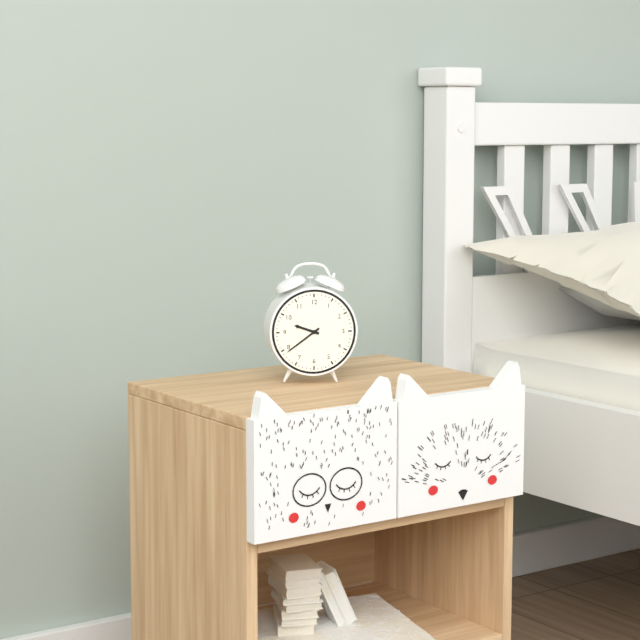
9,39
